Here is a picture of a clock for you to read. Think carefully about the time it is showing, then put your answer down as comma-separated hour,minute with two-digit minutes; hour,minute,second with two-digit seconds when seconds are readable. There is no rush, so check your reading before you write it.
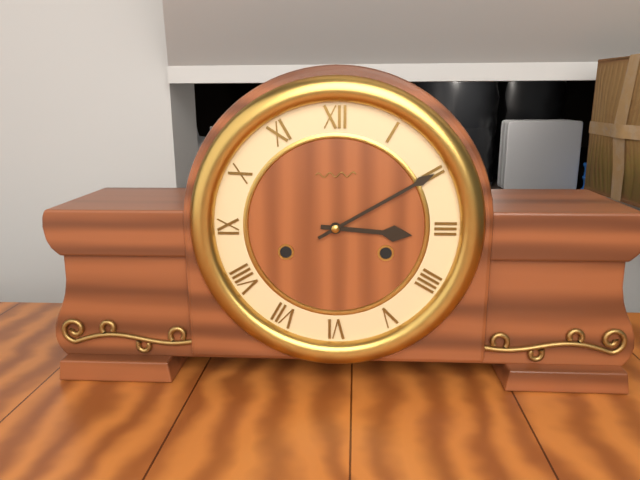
3,10
